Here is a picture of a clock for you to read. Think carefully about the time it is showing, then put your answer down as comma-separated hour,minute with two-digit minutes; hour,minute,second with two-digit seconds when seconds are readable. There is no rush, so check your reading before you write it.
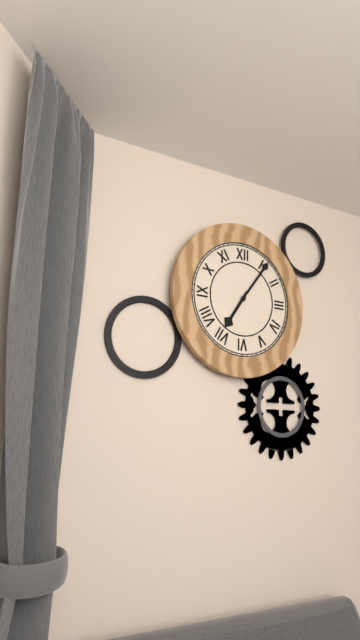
7,06
